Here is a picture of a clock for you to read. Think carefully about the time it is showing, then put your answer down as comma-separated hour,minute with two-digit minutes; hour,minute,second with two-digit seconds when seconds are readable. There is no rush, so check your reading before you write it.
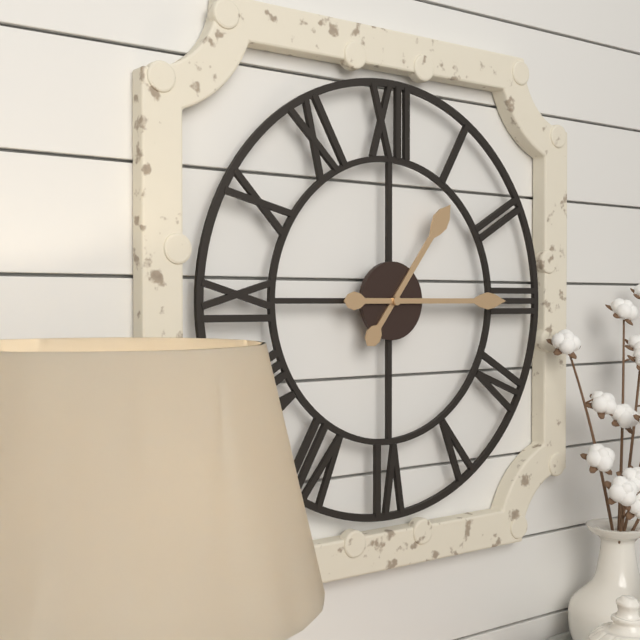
1,15
